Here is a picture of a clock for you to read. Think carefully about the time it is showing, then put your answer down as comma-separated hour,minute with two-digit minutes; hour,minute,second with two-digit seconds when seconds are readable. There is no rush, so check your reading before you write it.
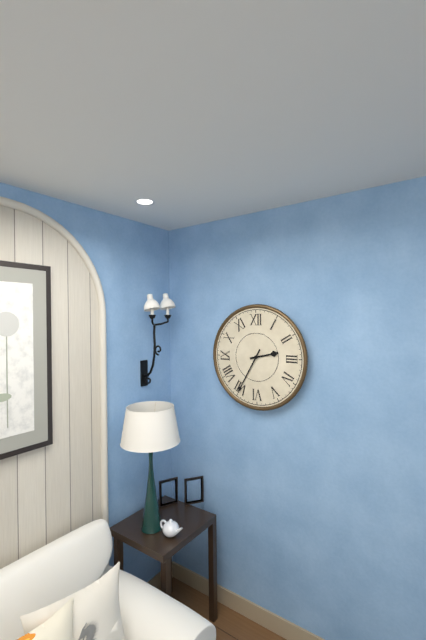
2,35
